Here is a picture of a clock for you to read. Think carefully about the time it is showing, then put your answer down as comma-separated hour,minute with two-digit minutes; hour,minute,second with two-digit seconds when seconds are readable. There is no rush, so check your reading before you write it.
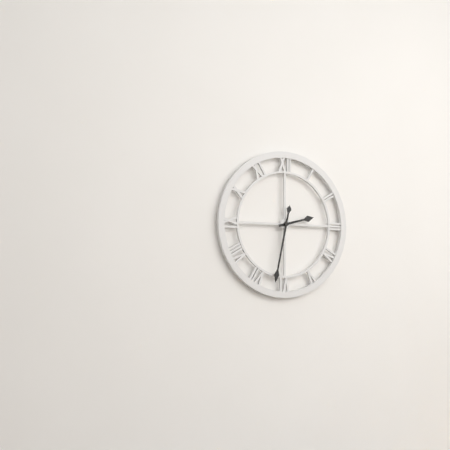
2,32
